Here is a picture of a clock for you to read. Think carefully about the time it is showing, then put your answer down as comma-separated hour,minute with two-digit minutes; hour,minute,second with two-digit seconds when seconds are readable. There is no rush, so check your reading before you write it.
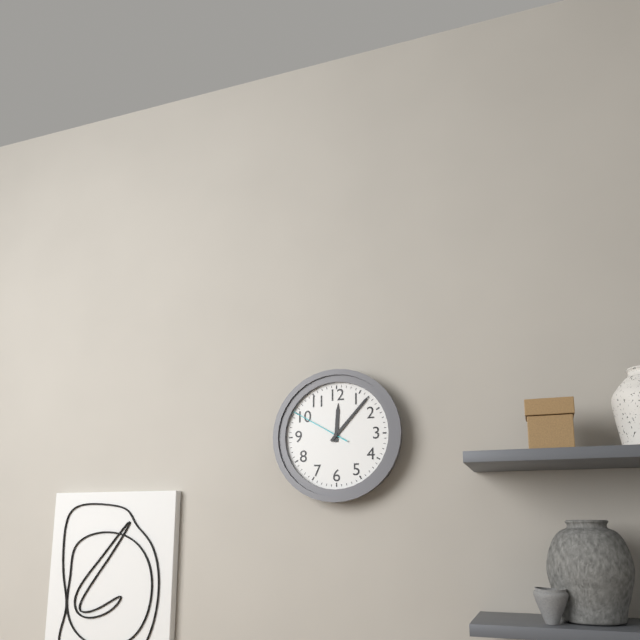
12,07,50
